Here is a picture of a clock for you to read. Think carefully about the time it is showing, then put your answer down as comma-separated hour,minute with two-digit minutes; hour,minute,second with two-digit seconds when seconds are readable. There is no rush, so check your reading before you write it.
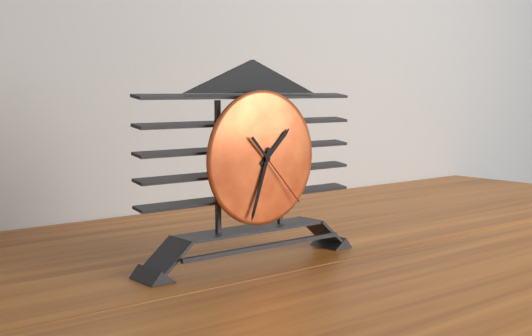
1,33,23
